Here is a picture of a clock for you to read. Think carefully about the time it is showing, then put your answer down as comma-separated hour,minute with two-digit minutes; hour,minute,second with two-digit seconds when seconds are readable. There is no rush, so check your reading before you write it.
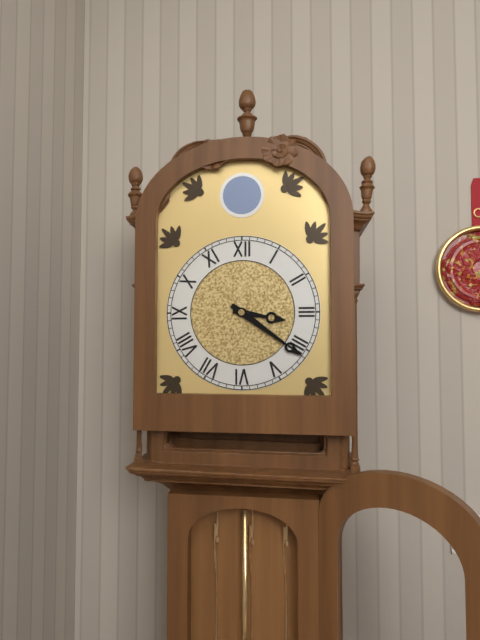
3,21
